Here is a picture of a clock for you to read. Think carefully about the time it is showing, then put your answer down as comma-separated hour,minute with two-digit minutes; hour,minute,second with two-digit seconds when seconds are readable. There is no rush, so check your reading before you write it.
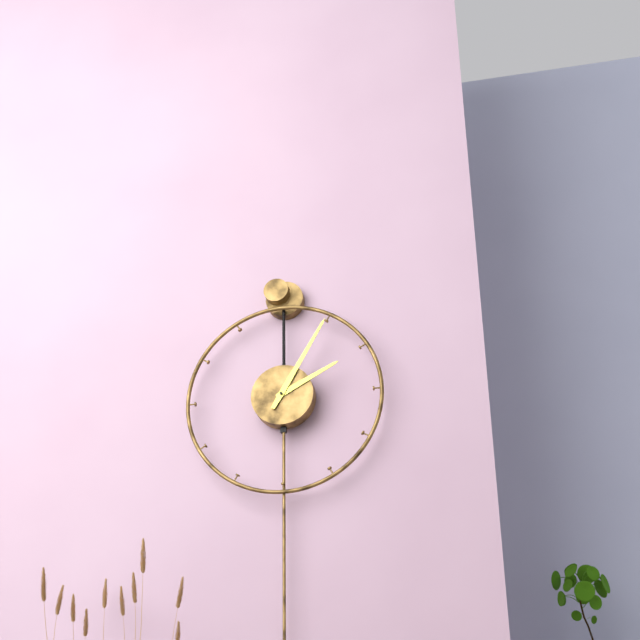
2,05
